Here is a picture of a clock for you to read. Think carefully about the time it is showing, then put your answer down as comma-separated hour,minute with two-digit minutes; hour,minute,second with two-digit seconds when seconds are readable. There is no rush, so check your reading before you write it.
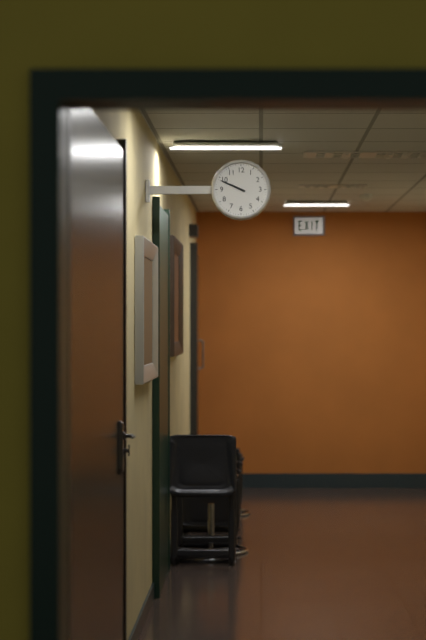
9,49
